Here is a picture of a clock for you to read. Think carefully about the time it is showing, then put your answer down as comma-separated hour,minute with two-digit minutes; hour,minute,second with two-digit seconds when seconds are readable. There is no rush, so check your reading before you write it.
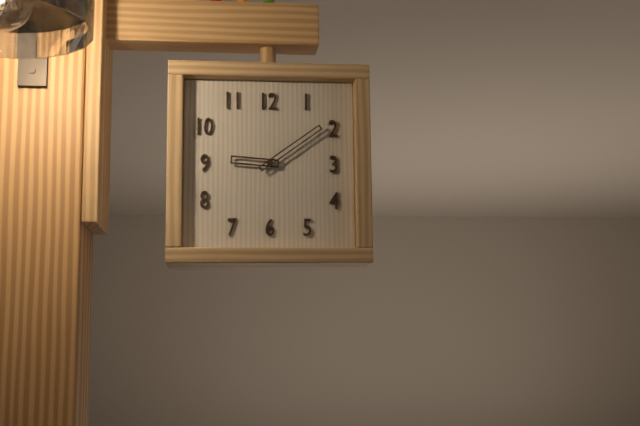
9,09
